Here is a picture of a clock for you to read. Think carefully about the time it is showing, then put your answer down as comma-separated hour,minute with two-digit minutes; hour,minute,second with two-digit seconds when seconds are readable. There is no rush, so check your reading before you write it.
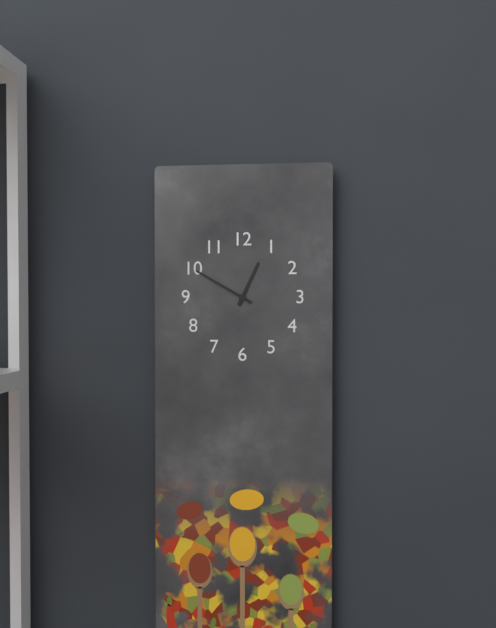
12,50
